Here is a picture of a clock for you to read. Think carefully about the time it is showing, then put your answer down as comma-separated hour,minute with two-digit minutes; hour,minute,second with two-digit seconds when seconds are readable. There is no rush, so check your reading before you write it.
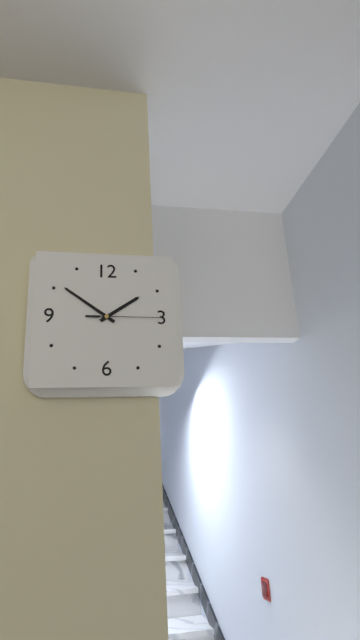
1,51,15
